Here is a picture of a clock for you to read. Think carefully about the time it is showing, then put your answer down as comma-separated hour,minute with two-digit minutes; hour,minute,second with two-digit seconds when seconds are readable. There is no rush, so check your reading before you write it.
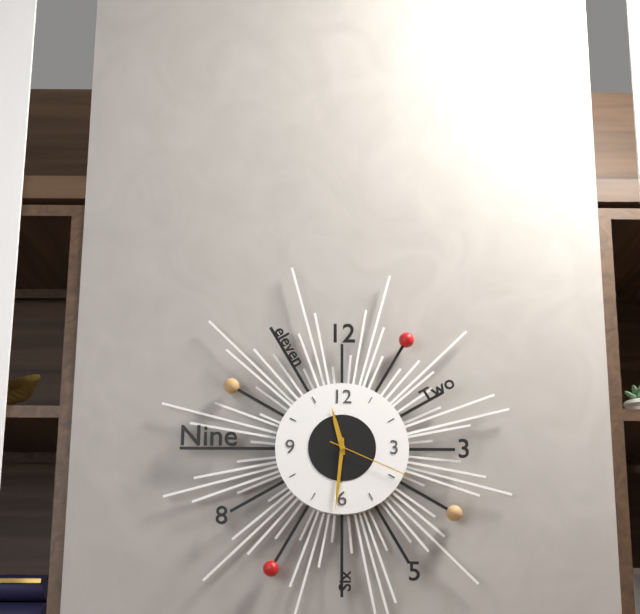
11,31,19
